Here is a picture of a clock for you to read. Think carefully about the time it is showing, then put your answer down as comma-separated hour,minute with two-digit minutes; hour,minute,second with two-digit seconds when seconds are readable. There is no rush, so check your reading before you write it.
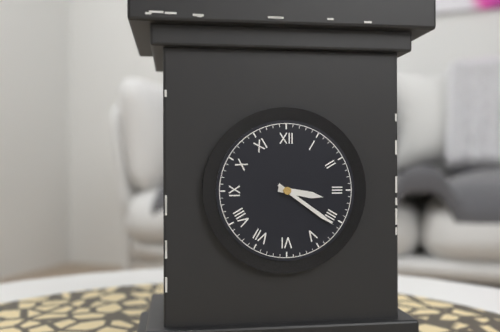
3,21
